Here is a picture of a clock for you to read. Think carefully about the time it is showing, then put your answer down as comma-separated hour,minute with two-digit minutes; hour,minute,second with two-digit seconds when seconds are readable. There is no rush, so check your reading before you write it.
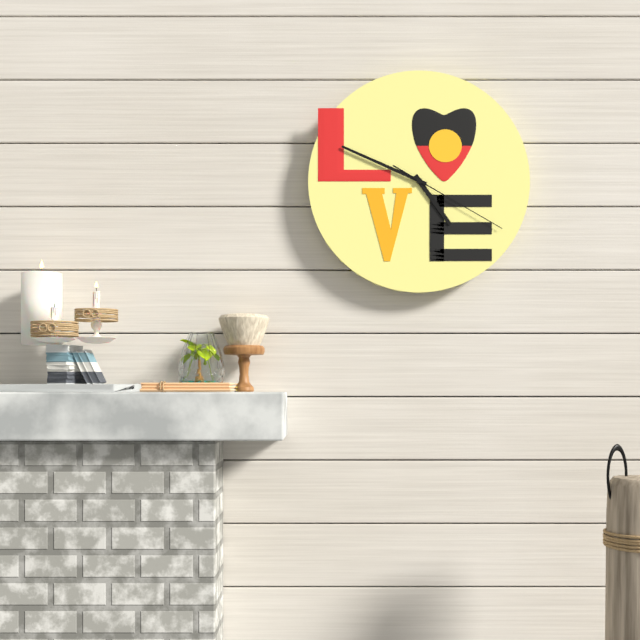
4,49,20
